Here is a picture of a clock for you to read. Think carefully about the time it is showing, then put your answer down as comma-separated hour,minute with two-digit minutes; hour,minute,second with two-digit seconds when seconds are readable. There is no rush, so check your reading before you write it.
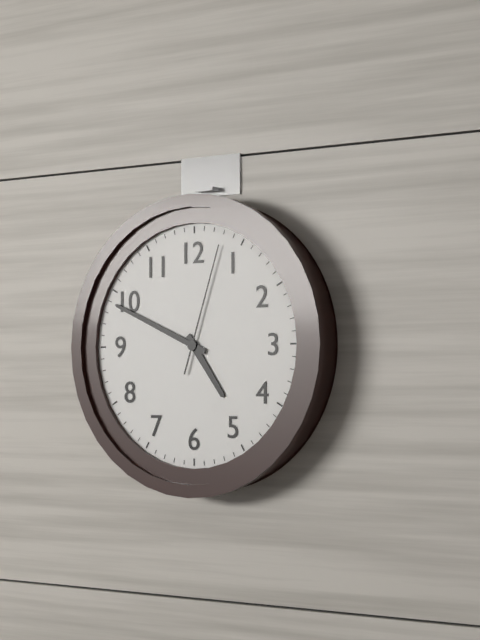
4,49,03
